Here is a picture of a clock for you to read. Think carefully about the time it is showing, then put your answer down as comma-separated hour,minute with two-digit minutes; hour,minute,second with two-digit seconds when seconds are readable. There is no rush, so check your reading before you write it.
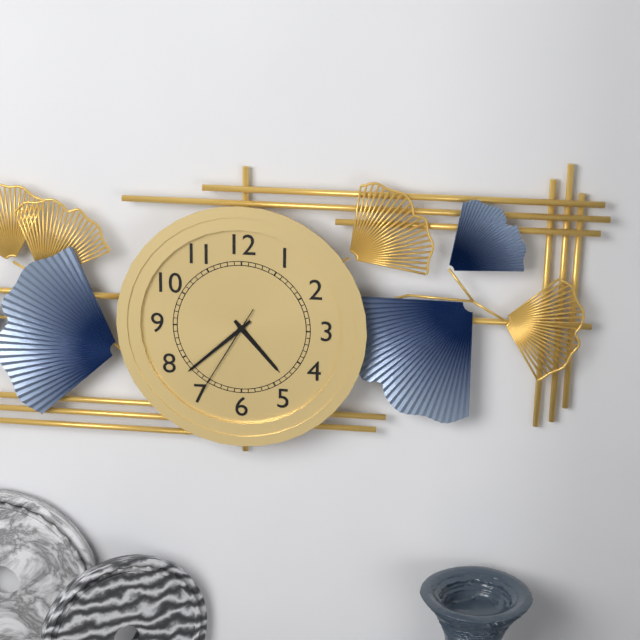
4,38,35
